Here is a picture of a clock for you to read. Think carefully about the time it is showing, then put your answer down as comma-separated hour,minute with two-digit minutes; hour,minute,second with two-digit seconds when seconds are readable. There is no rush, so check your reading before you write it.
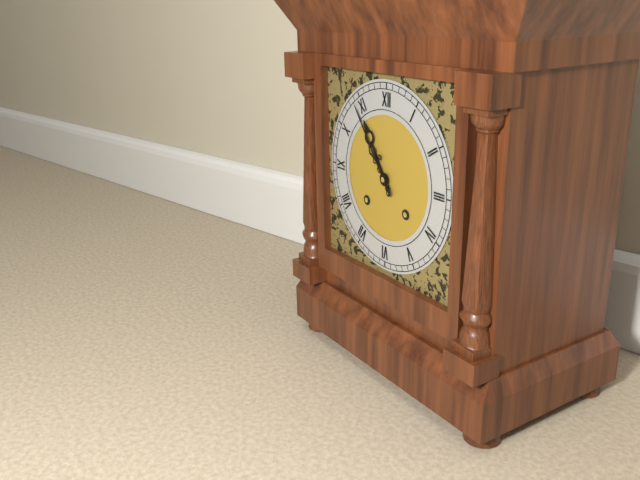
10,54
